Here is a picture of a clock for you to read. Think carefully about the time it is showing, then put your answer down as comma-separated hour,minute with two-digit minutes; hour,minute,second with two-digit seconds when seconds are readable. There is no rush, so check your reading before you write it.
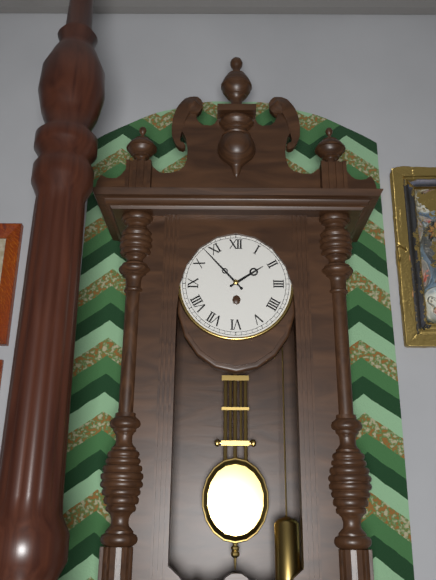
1,53
